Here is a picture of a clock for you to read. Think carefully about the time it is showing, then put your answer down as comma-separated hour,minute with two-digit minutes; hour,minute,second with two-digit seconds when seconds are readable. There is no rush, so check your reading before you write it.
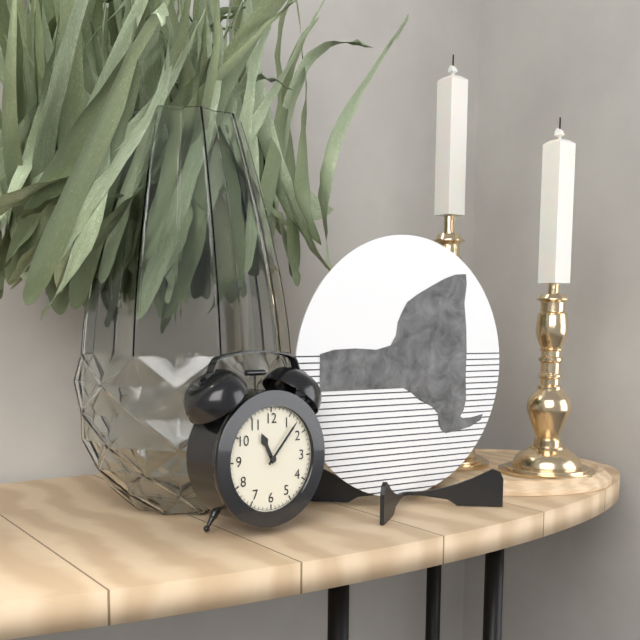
11,07
